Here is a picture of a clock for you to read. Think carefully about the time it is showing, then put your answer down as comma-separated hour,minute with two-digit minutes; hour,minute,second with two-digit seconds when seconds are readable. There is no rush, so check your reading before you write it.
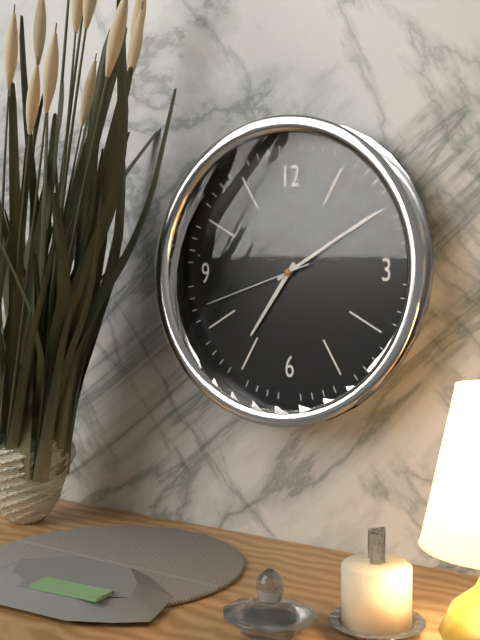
7,10,42
